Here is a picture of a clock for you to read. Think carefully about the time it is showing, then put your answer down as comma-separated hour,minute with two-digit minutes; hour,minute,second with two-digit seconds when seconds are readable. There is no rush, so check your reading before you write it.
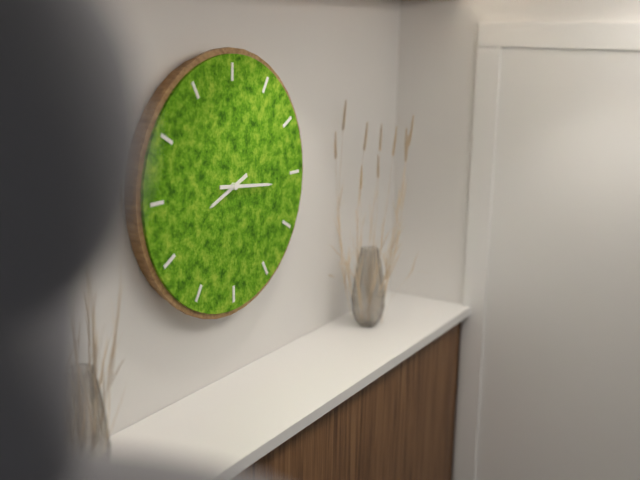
8,16
